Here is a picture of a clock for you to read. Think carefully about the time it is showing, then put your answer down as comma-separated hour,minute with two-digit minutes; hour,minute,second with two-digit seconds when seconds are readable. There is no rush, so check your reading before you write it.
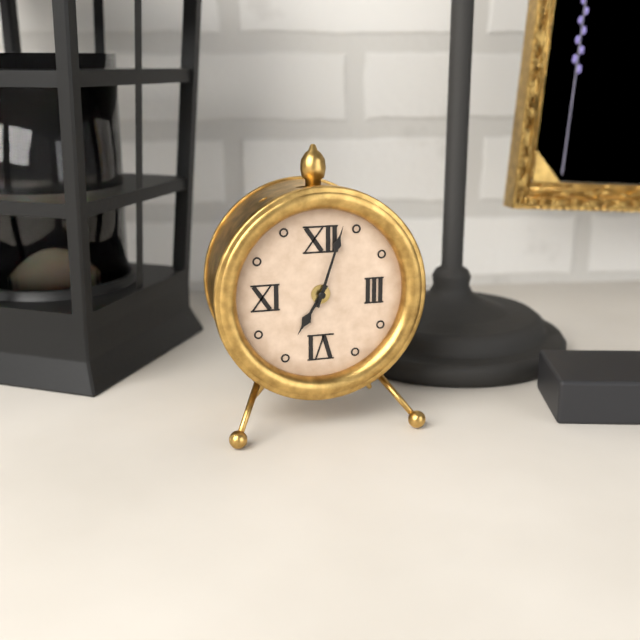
7,03
